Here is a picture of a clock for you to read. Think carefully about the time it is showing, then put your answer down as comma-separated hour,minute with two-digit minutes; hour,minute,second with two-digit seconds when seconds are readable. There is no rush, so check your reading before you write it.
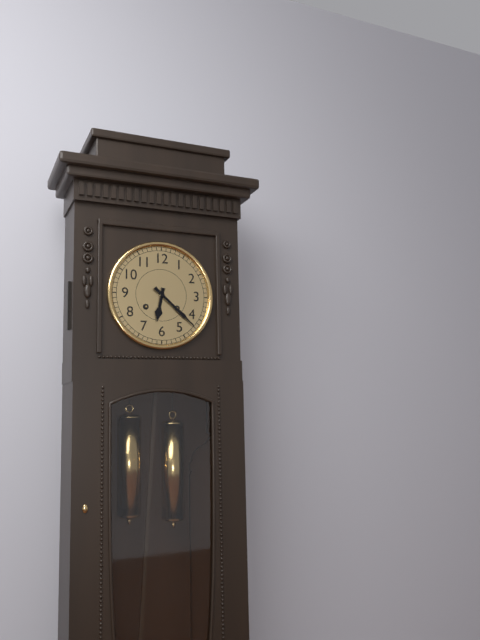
6,22
